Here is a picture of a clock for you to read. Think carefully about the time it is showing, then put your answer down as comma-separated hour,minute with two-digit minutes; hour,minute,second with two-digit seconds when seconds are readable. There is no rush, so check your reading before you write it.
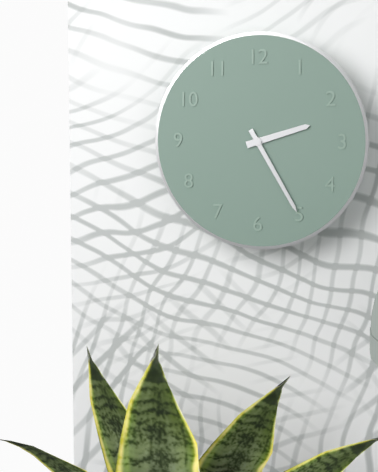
2,25
